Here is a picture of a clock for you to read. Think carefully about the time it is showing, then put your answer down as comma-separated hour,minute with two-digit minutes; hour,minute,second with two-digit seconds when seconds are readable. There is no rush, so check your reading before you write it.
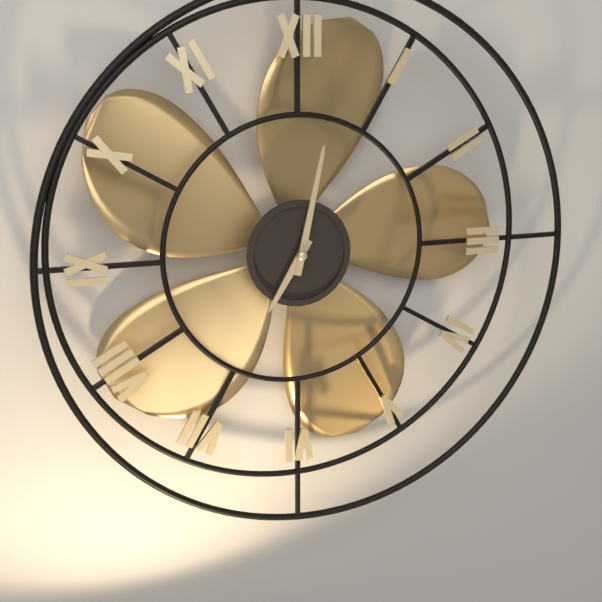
7,02
